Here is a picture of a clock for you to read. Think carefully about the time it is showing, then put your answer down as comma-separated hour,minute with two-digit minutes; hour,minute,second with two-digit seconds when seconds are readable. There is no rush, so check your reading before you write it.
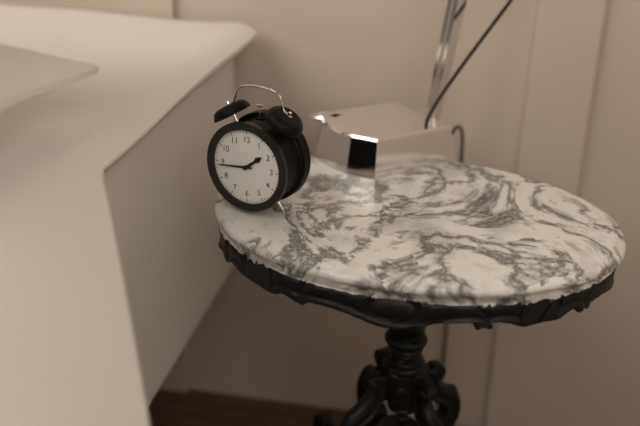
1,44
